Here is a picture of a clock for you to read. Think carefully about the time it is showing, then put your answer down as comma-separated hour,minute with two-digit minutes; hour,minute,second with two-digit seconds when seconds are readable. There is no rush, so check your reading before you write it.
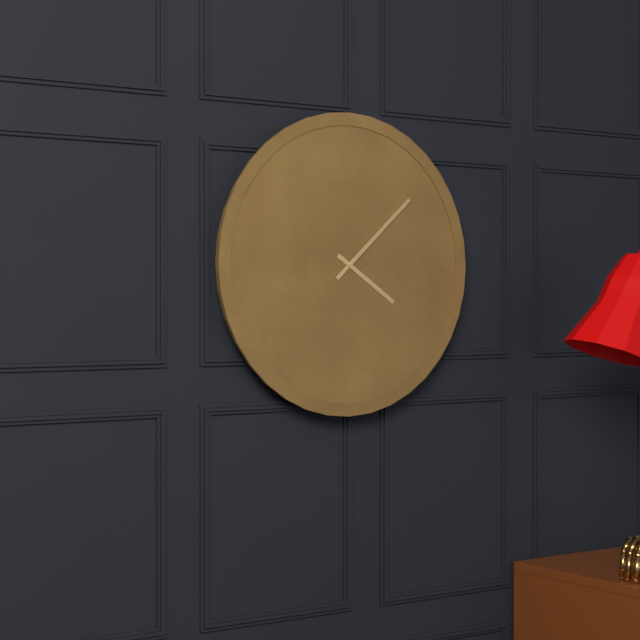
4,08
